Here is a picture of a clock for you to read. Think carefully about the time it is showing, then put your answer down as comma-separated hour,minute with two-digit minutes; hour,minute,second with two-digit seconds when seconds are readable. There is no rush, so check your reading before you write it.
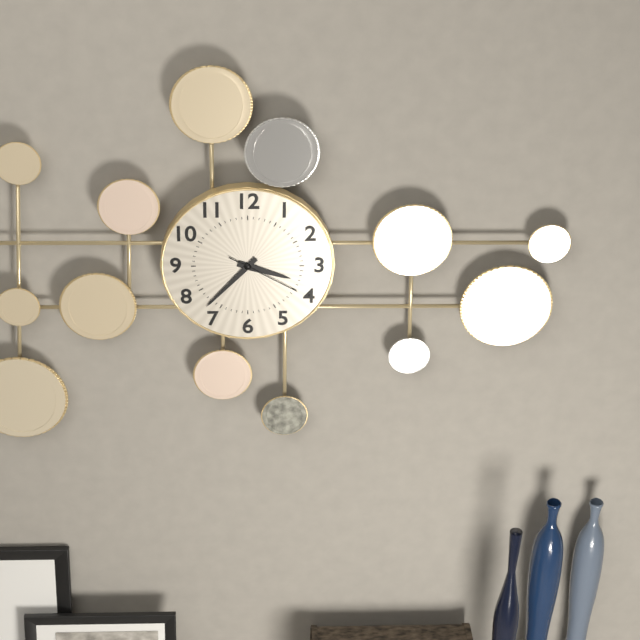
3,37,20
